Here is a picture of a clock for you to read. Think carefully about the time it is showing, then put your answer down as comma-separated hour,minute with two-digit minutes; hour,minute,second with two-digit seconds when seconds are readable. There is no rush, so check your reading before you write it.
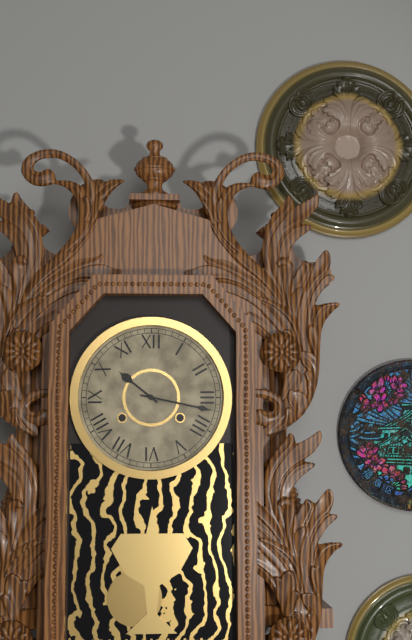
10,17
